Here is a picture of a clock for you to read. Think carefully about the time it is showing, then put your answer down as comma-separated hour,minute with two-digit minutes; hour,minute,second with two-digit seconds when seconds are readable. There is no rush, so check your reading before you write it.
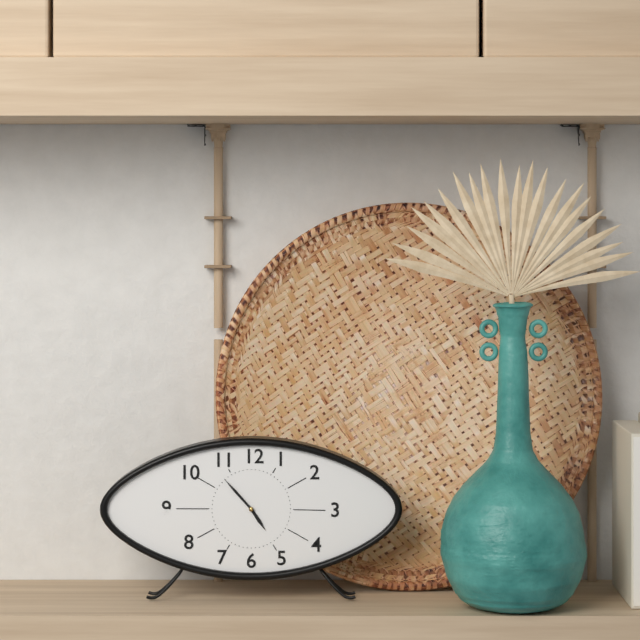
4,53
